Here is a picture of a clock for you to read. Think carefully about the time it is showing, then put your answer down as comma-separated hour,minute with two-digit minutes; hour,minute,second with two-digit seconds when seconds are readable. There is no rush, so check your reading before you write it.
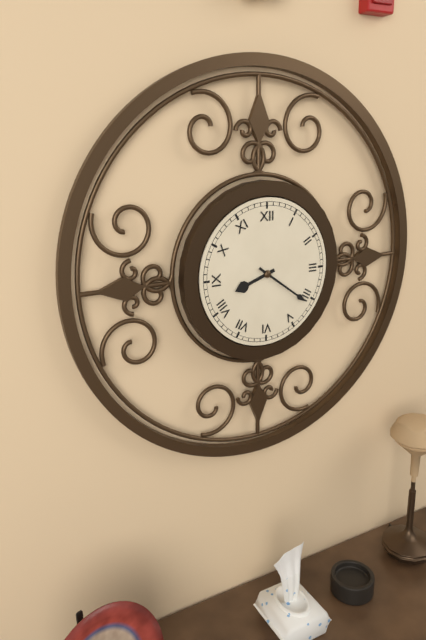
8,21
